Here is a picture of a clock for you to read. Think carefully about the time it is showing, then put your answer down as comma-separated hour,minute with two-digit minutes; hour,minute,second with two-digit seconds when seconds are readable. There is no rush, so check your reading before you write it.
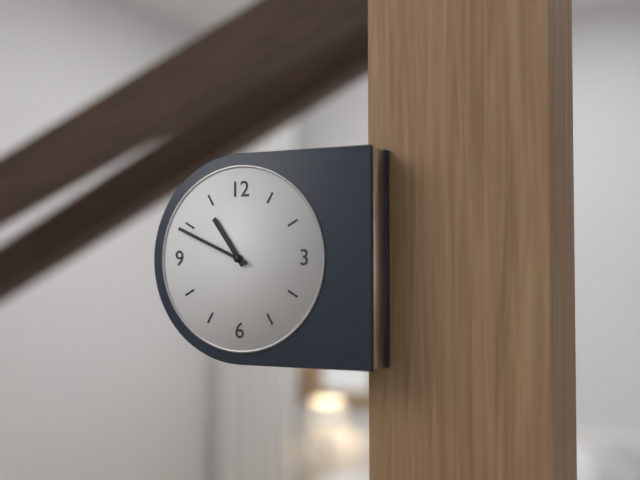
10,49
